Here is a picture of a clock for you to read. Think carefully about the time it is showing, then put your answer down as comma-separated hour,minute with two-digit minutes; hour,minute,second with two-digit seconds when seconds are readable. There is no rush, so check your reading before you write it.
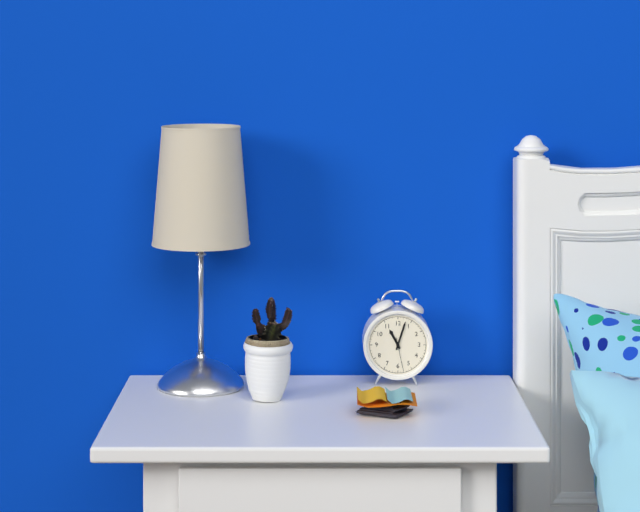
11,03
